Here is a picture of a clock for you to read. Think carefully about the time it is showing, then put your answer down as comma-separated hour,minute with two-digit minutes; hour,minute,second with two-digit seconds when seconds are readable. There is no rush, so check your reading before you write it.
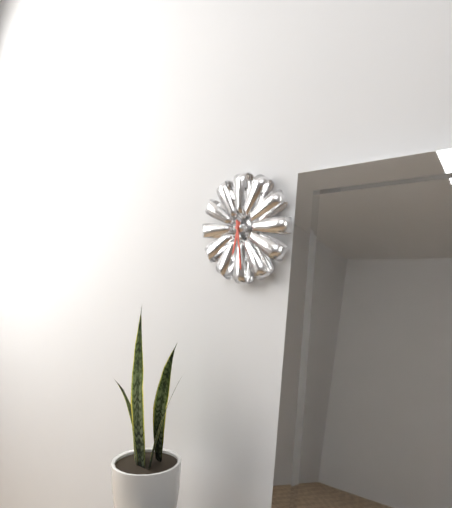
6,29
